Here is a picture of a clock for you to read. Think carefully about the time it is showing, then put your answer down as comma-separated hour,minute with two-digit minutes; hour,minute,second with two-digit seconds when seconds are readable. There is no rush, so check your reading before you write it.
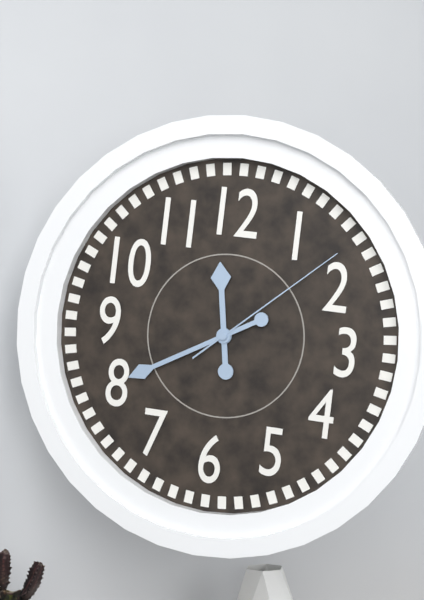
11,40,08
